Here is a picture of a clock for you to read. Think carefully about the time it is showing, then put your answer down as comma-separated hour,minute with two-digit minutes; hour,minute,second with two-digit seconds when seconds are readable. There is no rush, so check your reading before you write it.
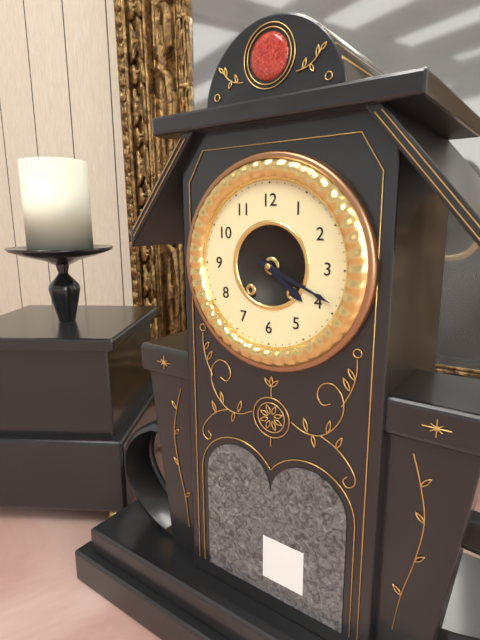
4,19
